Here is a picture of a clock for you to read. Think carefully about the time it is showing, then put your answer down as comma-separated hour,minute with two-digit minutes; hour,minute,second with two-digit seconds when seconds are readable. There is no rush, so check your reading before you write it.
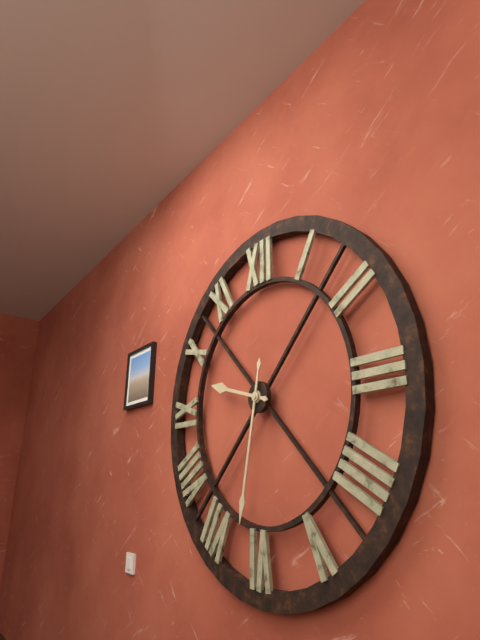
9,32
